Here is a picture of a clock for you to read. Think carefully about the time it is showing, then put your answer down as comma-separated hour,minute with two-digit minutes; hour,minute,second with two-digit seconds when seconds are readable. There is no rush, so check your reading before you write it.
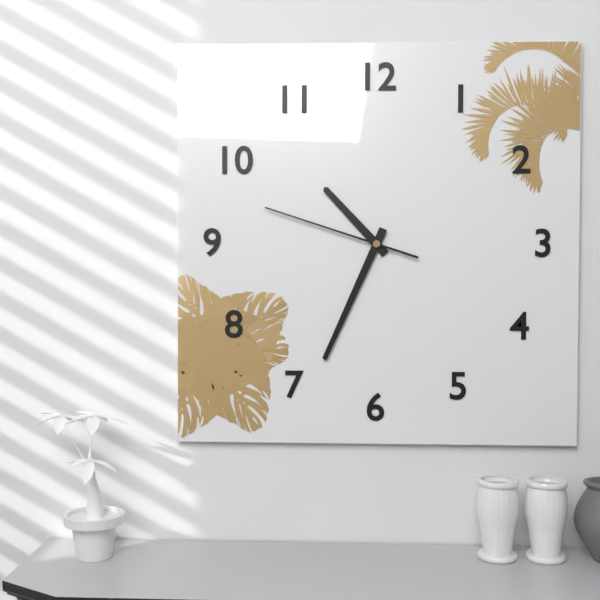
10,34,48
